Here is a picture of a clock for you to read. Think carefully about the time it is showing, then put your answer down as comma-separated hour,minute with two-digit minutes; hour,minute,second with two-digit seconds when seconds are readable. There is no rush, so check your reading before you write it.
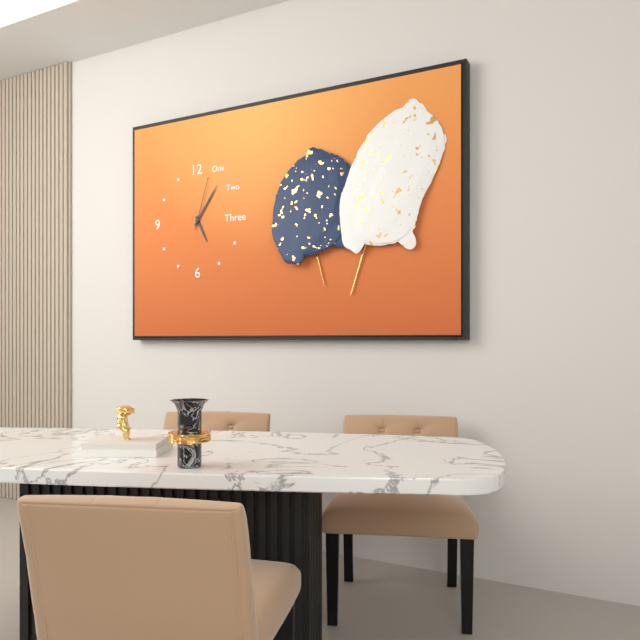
5,06,03
